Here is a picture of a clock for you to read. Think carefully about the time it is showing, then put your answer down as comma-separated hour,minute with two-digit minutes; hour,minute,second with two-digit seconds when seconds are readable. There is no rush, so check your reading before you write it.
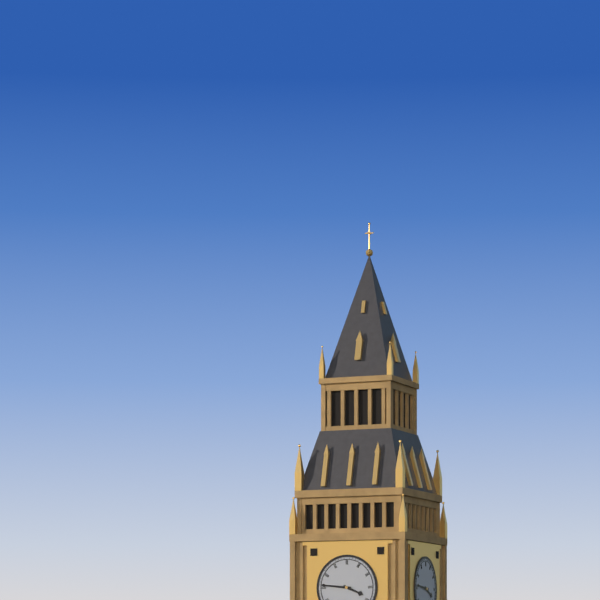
3,46
